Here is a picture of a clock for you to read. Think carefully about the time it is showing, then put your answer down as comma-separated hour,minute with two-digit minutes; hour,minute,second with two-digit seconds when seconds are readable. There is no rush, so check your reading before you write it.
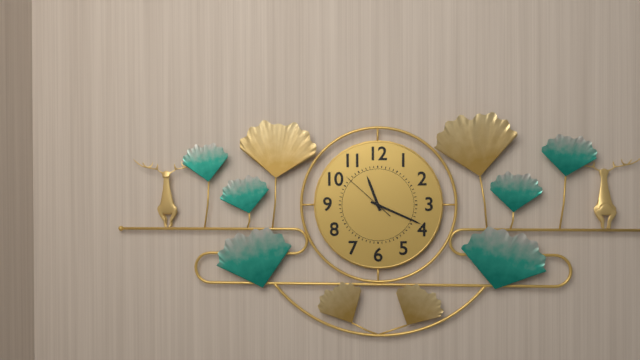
11,19,52
